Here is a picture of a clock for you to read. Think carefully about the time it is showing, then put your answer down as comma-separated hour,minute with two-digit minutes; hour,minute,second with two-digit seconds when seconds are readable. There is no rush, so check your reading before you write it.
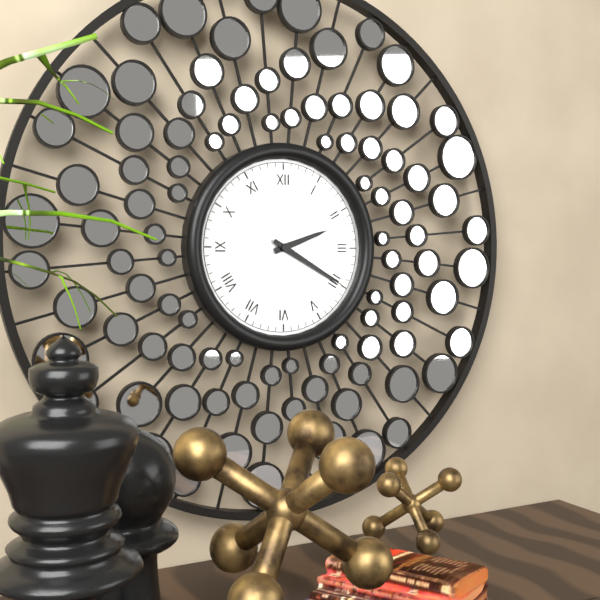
2,20
